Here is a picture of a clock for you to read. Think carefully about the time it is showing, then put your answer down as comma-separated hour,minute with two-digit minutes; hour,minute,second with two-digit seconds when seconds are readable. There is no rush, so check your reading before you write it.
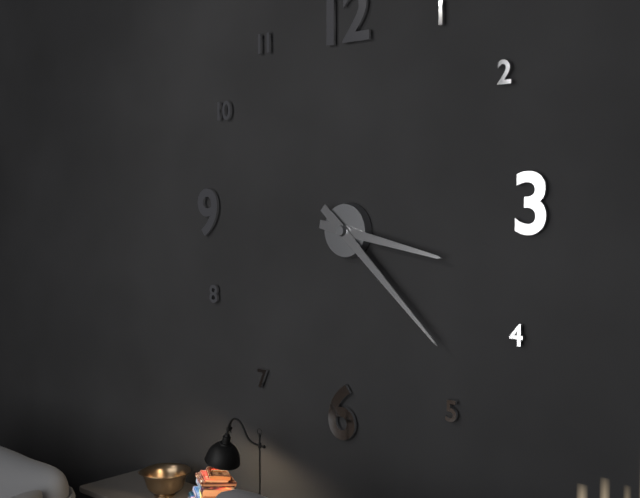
3,22
